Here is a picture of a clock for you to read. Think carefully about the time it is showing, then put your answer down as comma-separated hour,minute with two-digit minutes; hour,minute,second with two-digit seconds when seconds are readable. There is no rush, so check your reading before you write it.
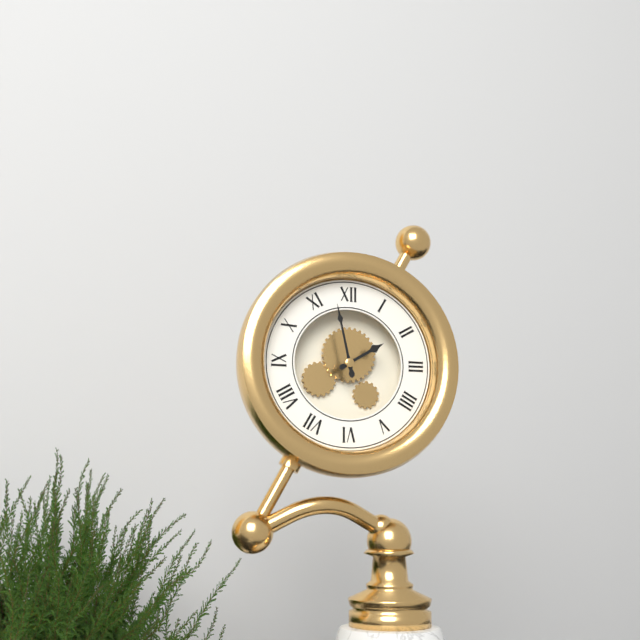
1,58
